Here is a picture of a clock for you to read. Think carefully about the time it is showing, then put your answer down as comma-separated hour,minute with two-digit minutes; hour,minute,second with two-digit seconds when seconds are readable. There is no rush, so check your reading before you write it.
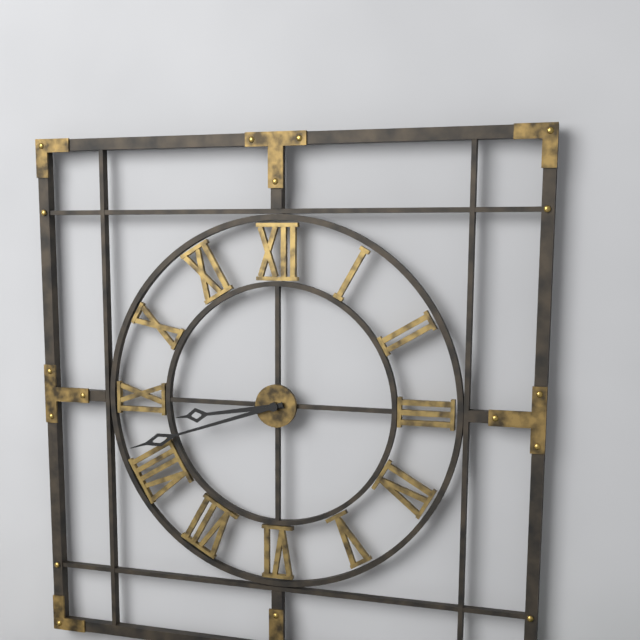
8,42
